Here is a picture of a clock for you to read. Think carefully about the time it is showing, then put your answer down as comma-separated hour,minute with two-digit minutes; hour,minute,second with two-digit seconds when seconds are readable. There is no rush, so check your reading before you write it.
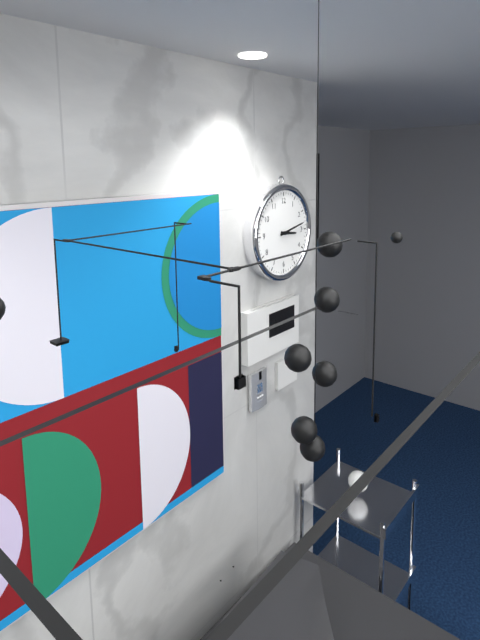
3,13
